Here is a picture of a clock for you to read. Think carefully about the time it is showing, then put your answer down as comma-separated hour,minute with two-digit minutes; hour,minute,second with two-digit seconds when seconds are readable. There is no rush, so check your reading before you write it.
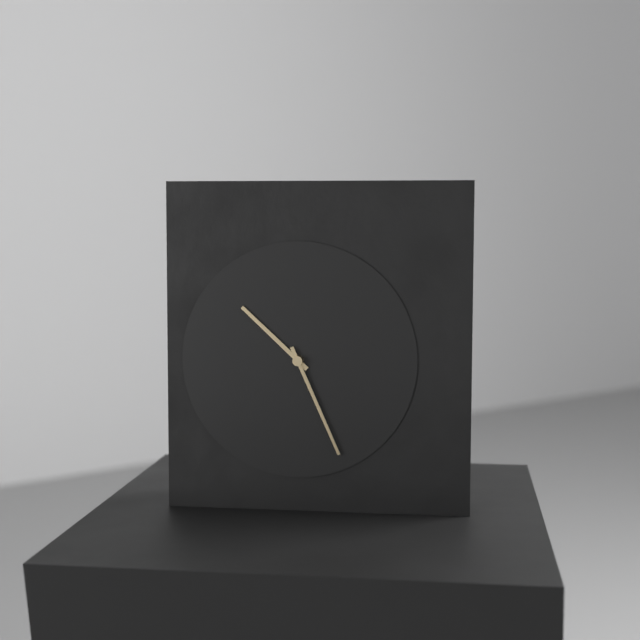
10,26
